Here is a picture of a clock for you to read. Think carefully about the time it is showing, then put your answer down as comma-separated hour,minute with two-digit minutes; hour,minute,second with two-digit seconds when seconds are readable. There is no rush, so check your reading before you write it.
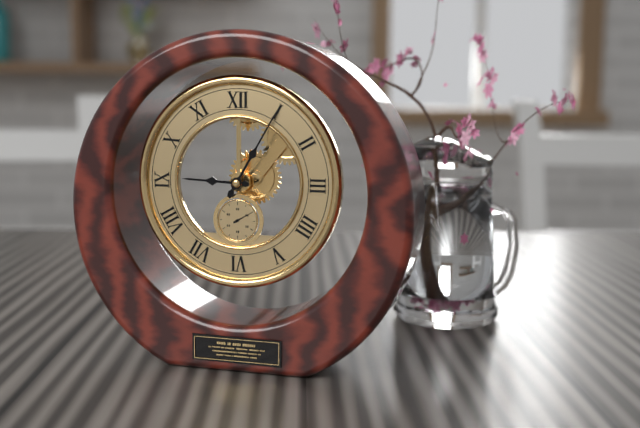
9,05
